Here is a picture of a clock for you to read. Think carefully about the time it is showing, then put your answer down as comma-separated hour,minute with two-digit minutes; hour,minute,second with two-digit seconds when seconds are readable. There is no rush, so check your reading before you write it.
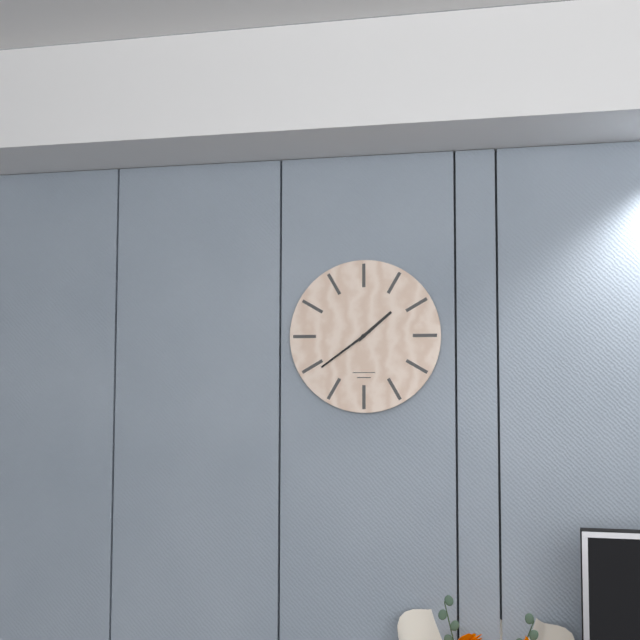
1,39
